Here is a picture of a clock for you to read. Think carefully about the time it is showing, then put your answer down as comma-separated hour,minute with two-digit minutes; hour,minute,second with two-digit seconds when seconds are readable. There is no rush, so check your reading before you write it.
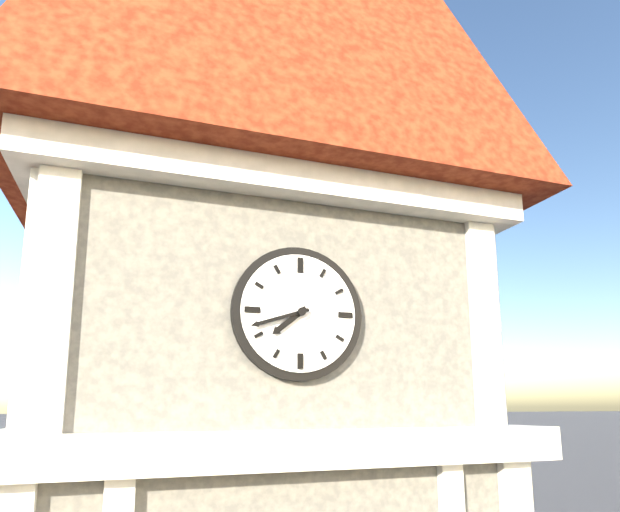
7,42
